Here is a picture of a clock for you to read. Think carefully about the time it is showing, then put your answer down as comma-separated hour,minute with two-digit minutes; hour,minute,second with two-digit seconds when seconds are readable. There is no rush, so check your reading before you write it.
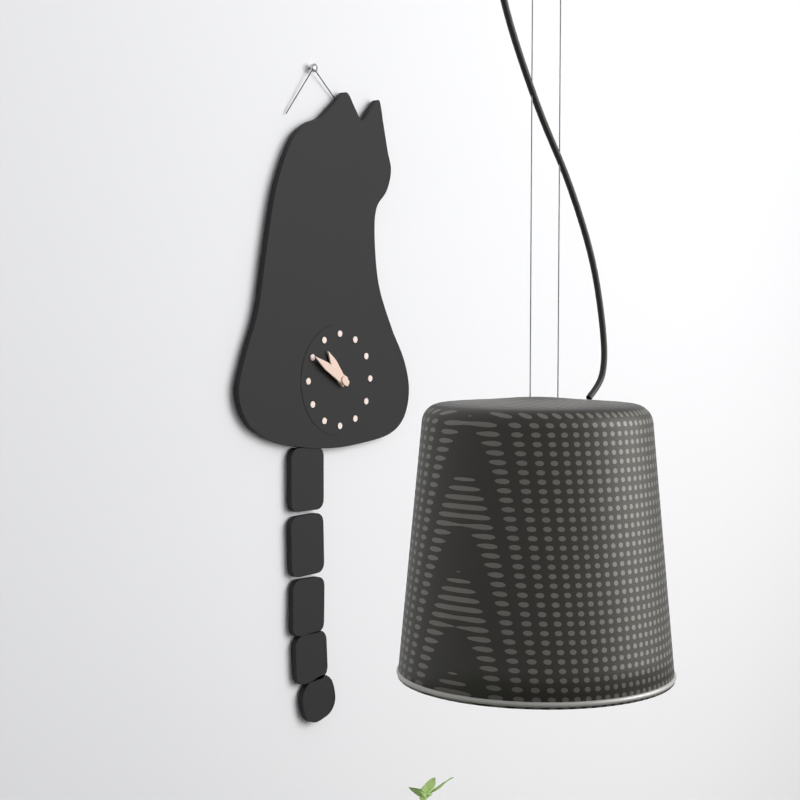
10,50
